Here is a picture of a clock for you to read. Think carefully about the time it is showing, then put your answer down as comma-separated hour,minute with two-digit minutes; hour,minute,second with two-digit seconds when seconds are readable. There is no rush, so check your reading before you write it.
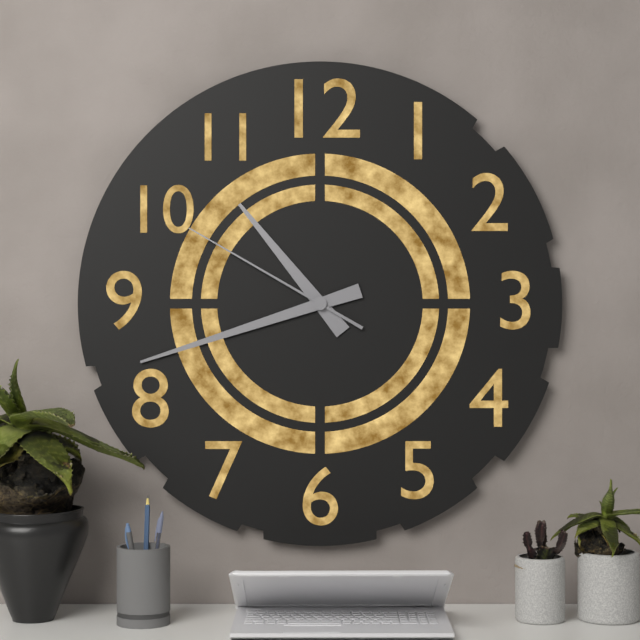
10,42,50
